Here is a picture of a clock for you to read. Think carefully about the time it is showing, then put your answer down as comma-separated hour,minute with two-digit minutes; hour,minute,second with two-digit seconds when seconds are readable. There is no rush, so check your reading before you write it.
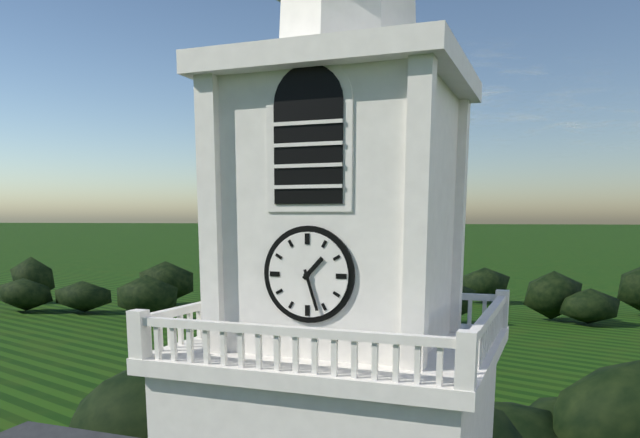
1,27
